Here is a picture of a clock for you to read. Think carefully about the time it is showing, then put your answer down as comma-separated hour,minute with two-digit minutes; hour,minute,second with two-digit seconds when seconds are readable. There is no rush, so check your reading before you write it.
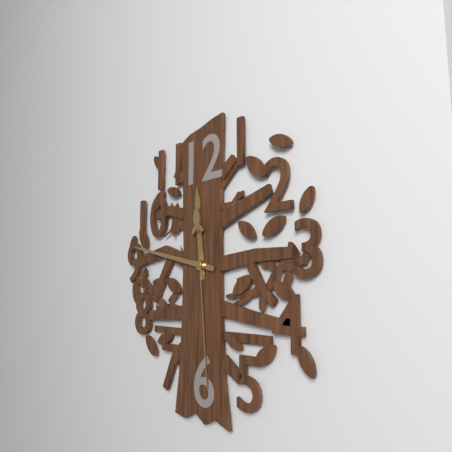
11,47,29
